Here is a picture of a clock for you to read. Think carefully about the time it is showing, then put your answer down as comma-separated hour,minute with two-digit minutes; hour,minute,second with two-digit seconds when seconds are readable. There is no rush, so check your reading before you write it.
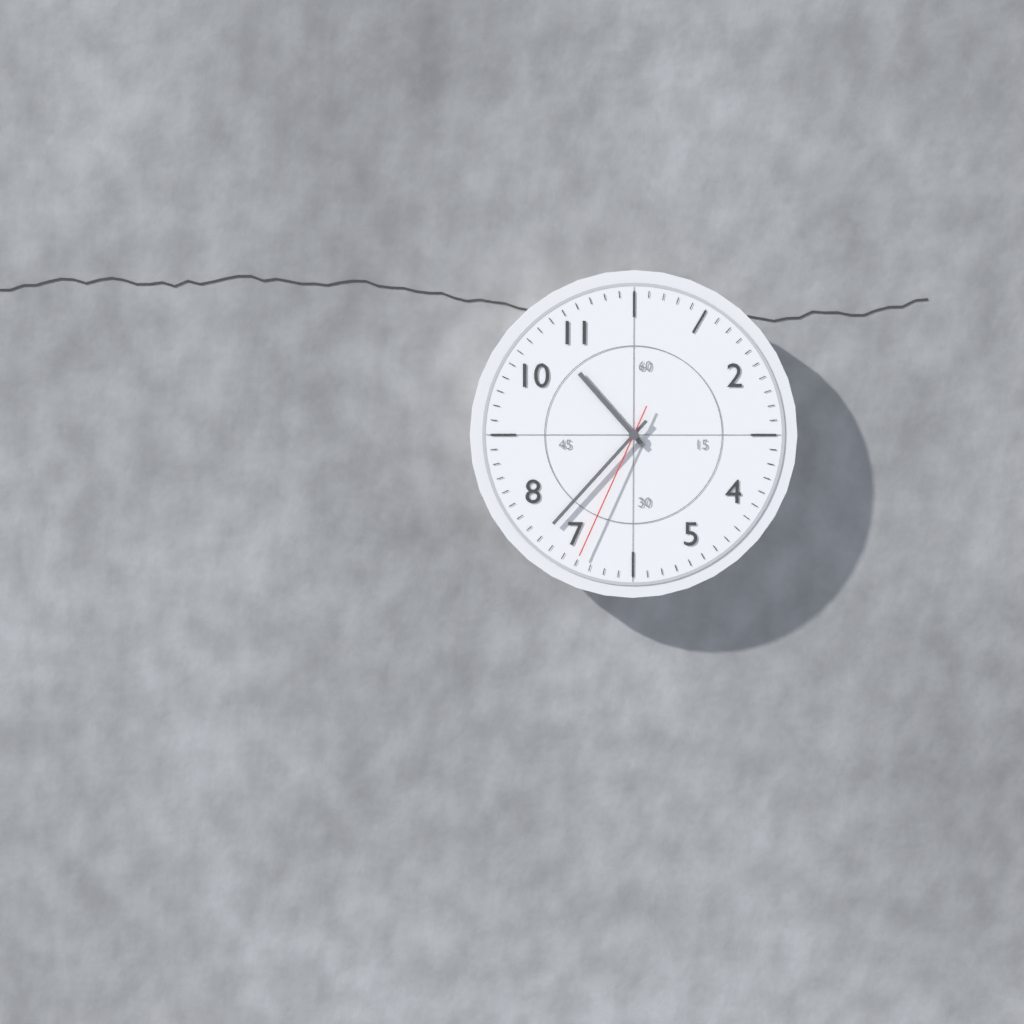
10,37,34
